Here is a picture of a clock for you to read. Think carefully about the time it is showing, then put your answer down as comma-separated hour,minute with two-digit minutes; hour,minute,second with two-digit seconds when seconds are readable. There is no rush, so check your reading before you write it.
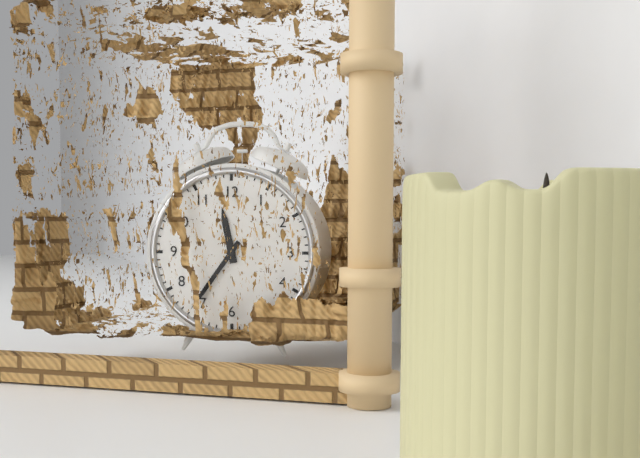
11,36
